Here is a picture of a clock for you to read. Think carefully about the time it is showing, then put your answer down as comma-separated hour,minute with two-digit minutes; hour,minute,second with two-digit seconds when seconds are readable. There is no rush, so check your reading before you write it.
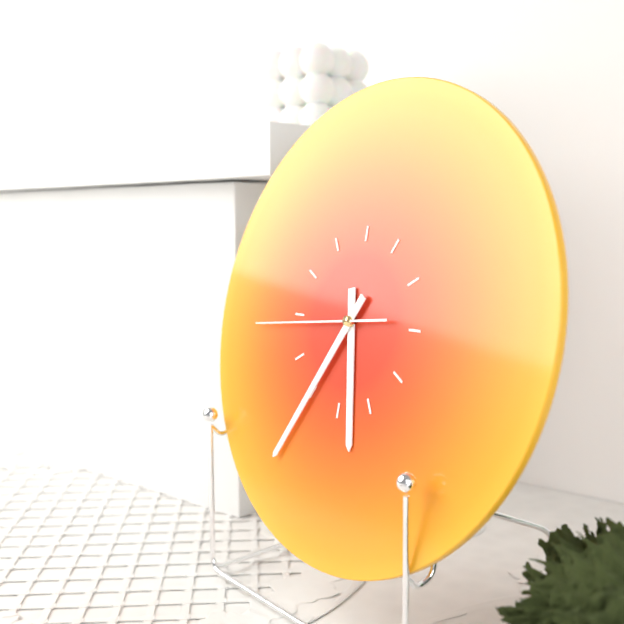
5,35,44
